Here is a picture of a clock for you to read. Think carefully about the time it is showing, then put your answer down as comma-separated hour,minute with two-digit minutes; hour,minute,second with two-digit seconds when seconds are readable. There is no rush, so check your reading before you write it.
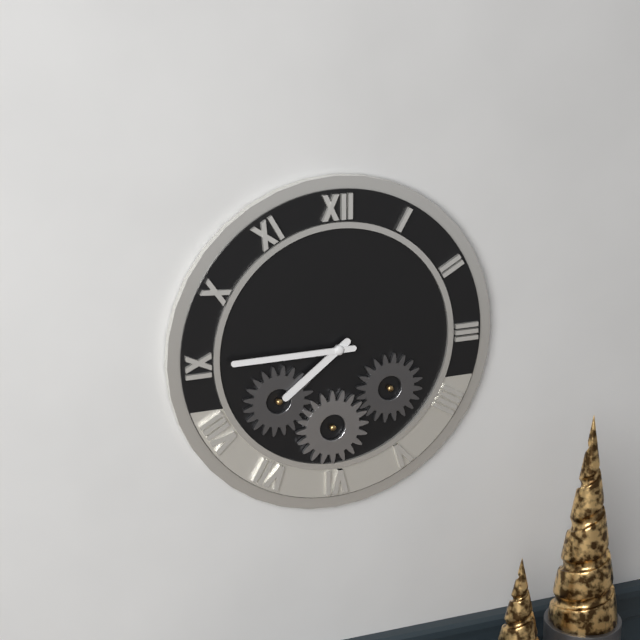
7,45
